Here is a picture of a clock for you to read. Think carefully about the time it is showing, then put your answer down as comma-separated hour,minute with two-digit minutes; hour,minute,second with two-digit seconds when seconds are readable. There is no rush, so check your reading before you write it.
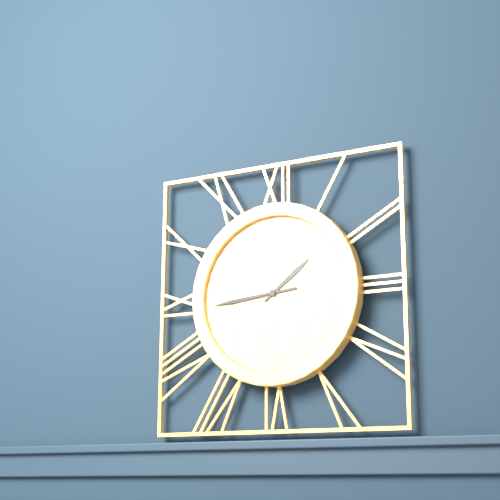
1,44
